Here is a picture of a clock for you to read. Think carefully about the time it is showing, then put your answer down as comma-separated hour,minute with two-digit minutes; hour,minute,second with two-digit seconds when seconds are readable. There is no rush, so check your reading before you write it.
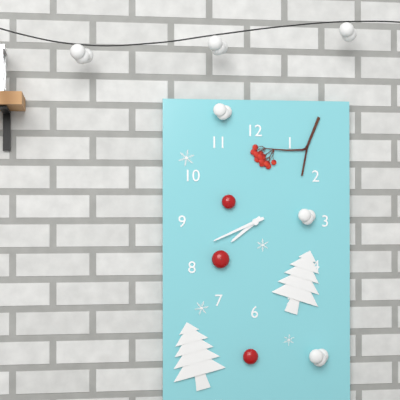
7,41
